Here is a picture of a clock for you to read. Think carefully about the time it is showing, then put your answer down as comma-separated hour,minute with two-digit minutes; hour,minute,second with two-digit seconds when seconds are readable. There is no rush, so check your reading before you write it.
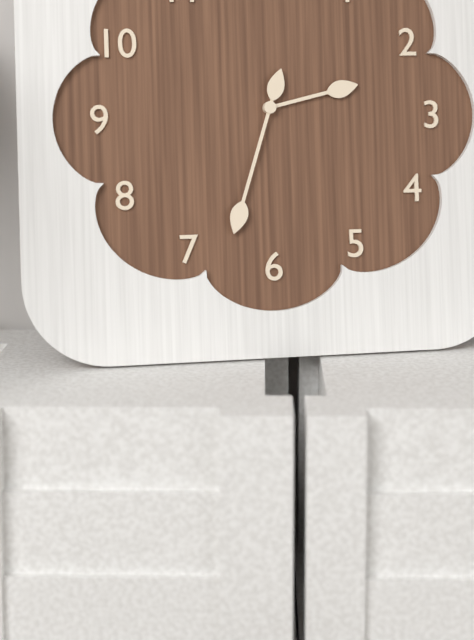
2,33
